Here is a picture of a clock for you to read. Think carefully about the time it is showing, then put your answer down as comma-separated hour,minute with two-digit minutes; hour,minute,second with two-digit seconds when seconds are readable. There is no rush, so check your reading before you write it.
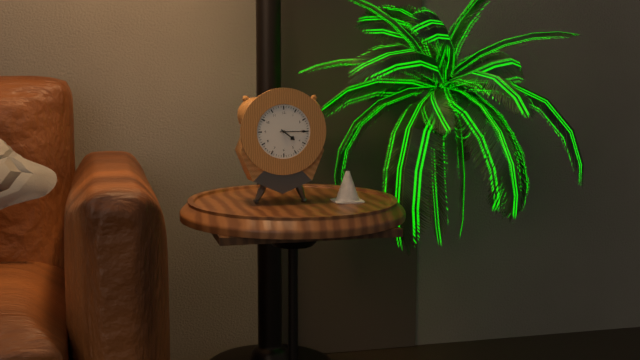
4,15
